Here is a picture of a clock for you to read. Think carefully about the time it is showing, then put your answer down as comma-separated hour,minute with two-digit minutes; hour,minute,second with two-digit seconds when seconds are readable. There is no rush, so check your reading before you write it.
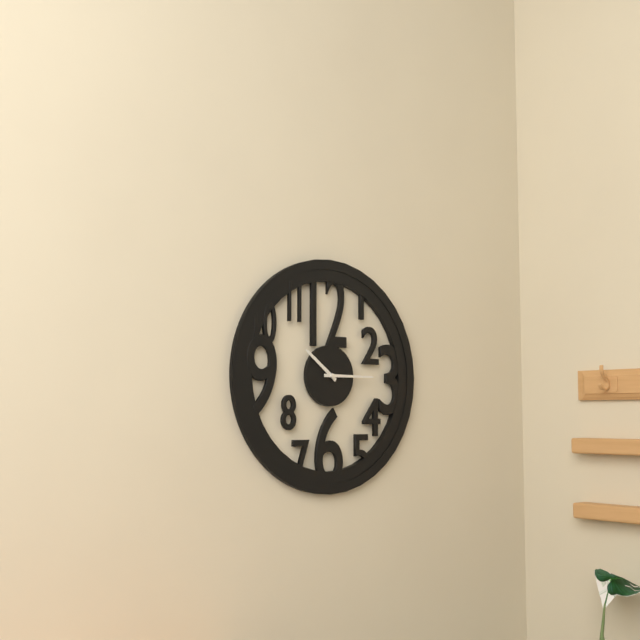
10,15
